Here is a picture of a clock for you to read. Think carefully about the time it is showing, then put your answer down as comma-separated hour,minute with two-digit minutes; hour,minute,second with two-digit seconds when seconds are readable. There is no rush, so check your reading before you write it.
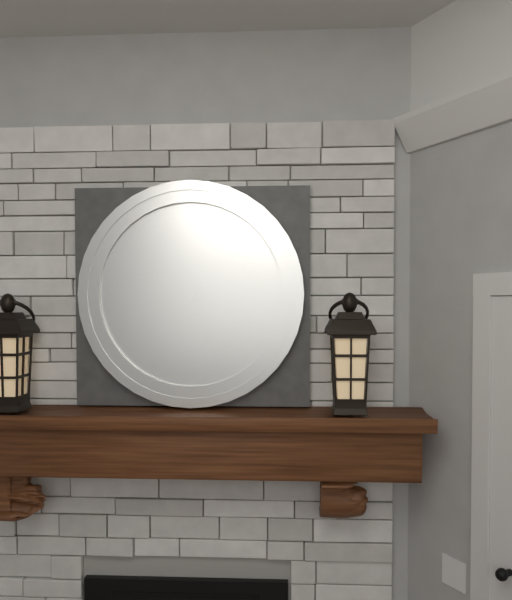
7,27
